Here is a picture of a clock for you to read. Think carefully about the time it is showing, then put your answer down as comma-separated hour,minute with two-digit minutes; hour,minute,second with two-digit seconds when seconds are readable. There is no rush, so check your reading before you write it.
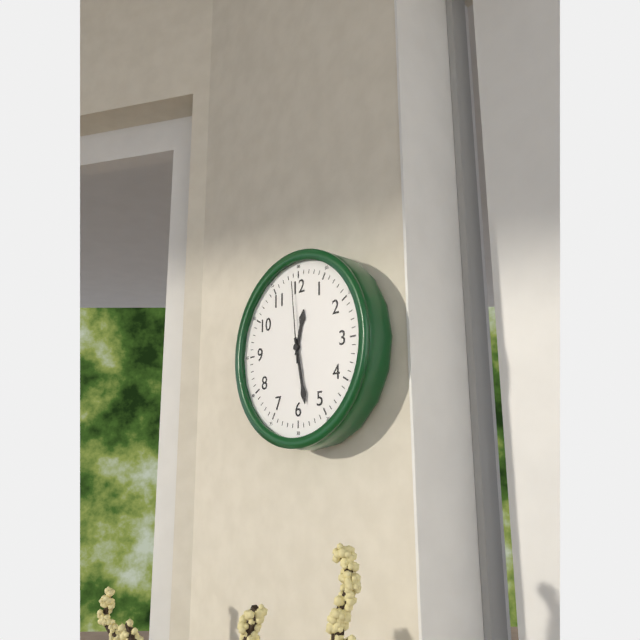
12,28,59
